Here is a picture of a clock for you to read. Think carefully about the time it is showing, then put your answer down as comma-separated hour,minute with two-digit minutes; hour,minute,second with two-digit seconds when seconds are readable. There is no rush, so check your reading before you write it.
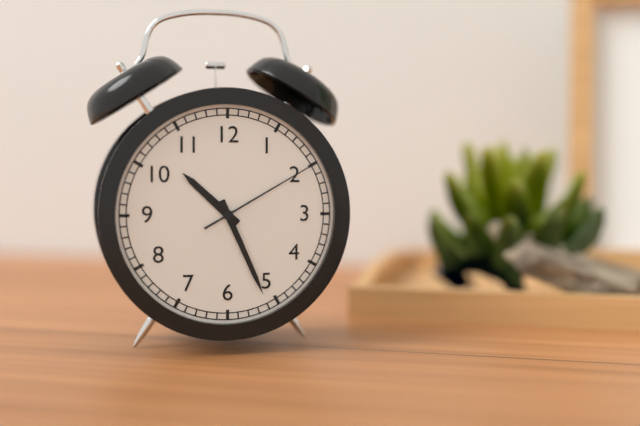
10,26,10
